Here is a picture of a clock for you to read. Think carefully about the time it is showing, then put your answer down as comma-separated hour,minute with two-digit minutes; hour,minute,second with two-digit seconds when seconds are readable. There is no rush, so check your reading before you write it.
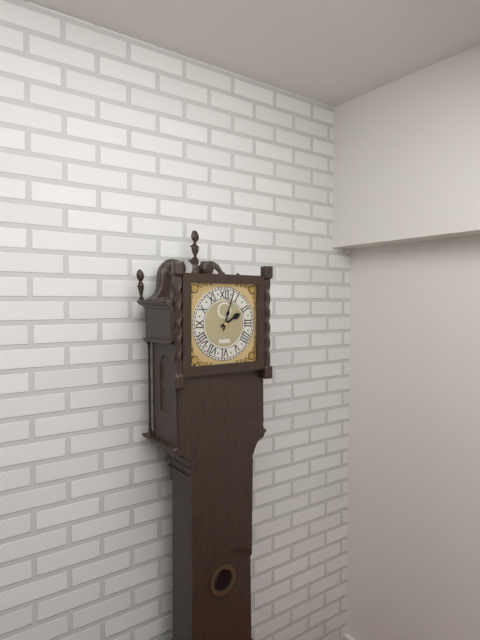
2,03
